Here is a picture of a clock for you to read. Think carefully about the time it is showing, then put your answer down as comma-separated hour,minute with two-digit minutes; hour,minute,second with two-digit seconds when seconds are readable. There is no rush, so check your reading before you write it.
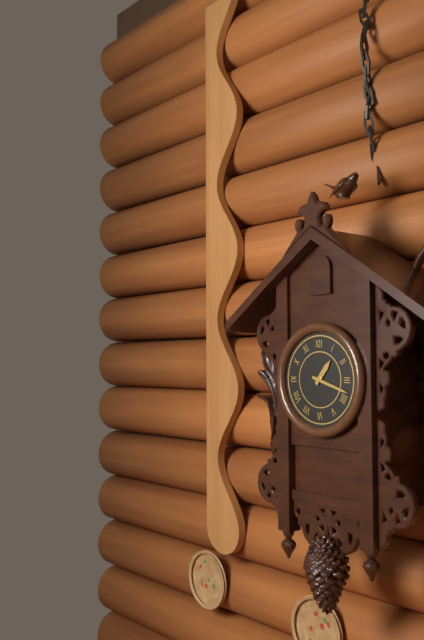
1,18
